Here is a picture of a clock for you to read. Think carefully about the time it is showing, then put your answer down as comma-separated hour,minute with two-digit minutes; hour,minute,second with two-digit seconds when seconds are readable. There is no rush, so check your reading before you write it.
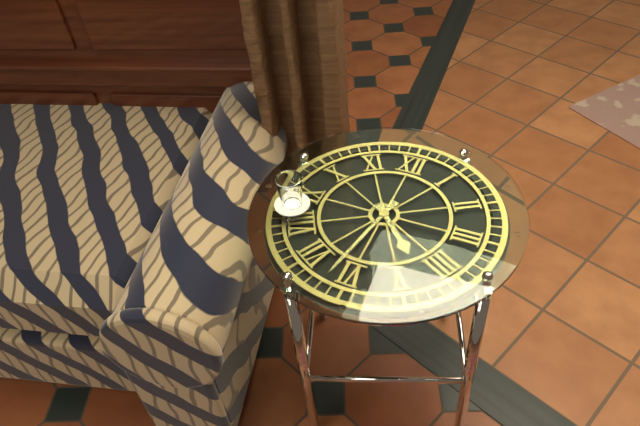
4,32
